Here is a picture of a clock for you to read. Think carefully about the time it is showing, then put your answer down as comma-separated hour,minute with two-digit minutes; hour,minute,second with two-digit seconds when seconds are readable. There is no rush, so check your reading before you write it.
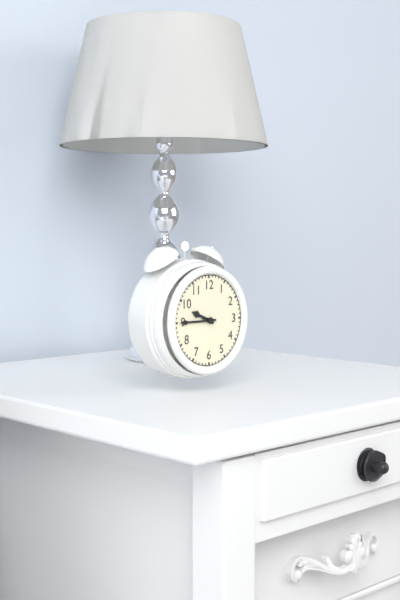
9,45
